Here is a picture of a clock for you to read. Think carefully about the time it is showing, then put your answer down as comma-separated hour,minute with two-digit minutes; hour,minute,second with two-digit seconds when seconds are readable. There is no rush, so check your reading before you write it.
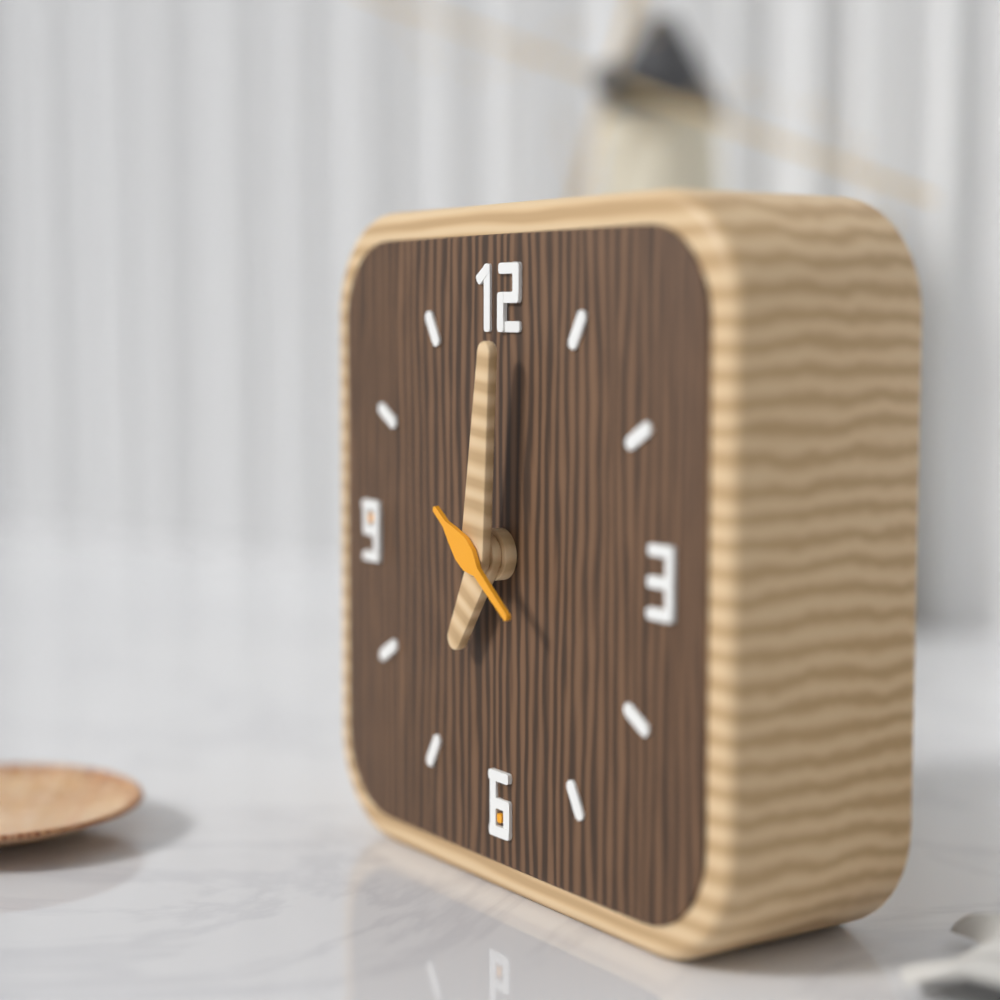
7,01,21
